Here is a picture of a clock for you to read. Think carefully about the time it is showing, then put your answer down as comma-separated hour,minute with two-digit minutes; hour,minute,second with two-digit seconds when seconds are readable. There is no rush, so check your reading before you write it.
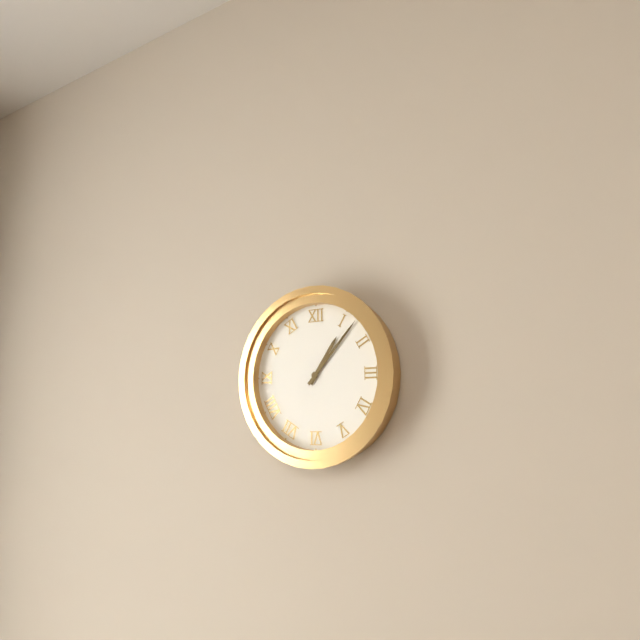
1,07
